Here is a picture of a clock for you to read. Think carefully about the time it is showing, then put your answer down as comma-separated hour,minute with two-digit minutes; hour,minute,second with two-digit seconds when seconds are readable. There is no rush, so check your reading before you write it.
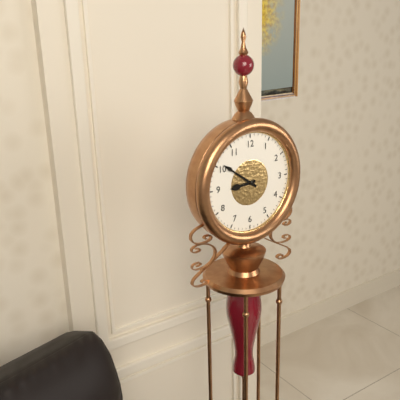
8,51
